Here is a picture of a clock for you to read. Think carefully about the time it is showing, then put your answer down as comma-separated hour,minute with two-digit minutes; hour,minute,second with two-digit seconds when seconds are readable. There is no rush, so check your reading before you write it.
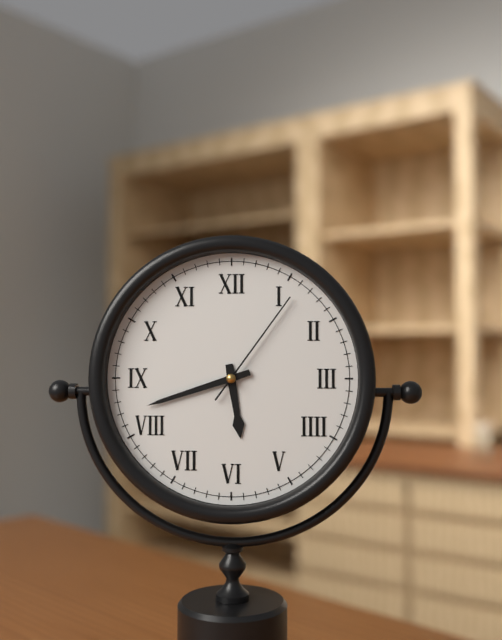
5,42,06
